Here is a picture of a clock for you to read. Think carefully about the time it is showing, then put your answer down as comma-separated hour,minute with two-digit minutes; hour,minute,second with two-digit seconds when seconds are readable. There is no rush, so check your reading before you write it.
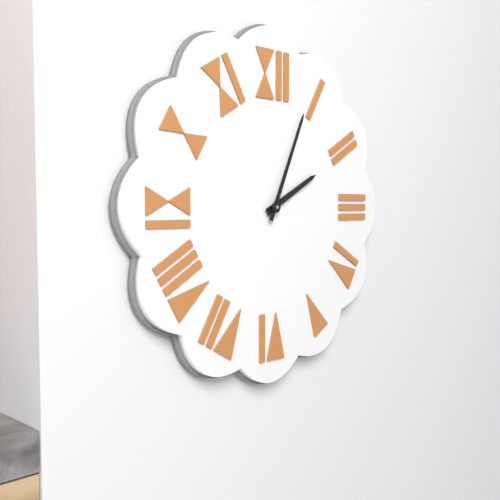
2,04
